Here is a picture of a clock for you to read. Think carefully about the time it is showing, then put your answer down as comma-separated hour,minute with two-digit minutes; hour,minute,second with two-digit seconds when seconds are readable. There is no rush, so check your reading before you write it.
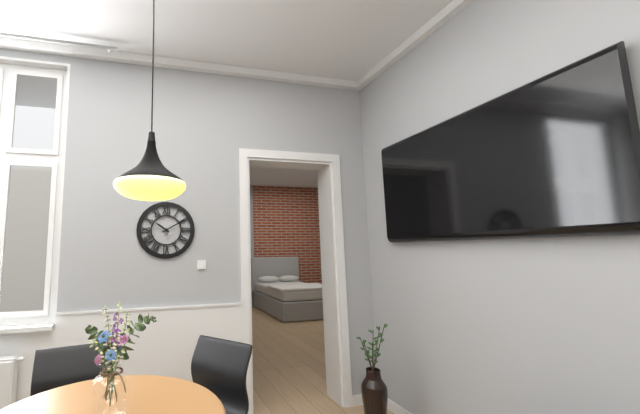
10,10
